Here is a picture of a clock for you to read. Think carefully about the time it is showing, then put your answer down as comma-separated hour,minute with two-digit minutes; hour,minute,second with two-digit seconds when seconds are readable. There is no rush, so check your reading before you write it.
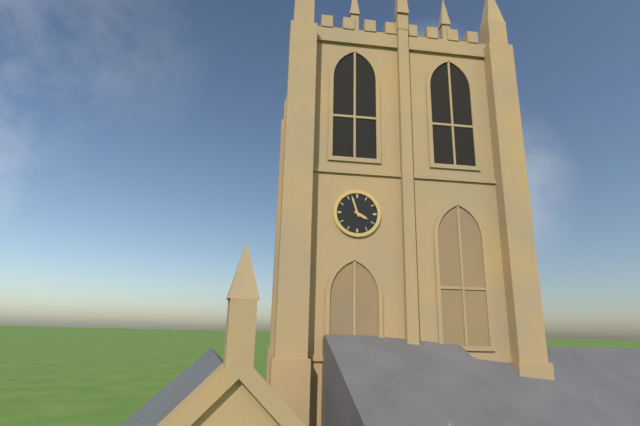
3,57
